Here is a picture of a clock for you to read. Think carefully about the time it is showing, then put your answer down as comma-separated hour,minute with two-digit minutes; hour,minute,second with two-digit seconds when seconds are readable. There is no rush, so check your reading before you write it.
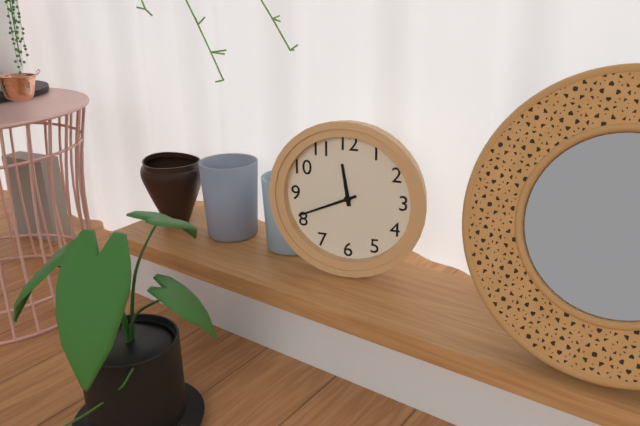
11,41
